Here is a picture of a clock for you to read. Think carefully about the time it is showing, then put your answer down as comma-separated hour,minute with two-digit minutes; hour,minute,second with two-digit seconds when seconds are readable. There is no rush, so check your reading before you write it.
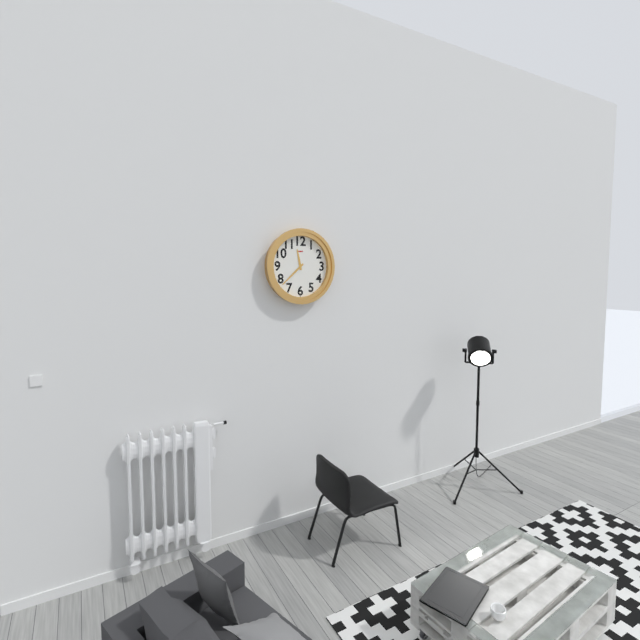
11,38
